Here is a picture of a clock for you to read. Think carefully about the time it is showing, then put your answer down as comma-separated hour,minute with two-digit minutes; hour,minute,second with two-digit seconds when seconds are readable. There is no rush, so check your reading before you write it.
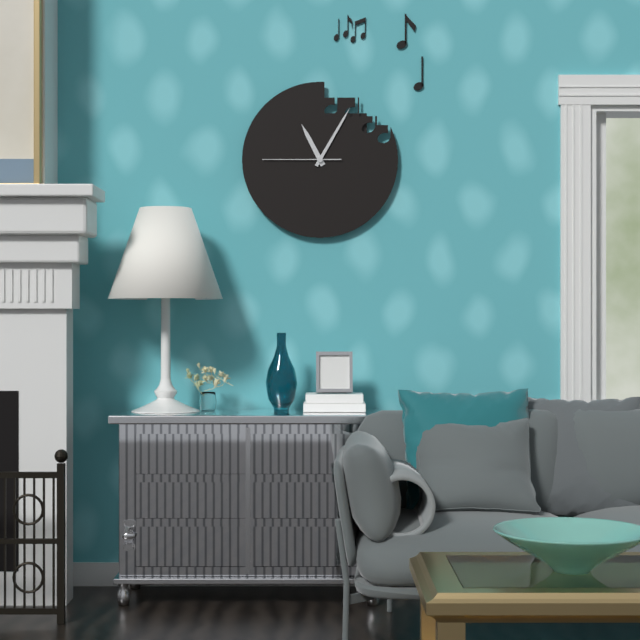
11,05,45
